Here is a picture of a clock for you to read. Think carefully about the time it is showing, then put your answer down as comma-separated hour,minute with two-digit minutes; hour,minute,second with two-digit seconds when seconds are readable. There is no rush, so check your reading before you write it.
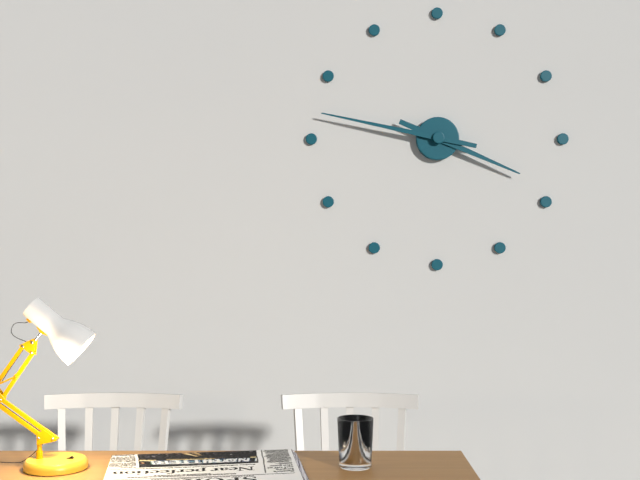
3,47
